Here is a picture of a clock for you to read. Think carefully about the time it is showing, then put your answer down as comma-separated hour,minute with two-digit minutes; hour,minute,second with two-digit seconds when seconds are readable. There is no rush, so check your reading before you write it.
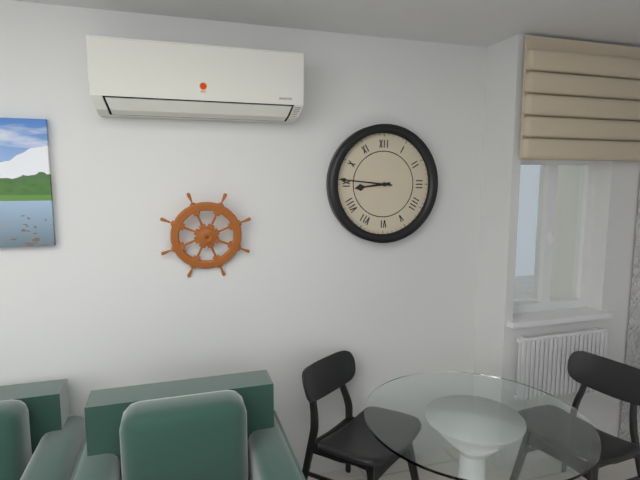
8,46
